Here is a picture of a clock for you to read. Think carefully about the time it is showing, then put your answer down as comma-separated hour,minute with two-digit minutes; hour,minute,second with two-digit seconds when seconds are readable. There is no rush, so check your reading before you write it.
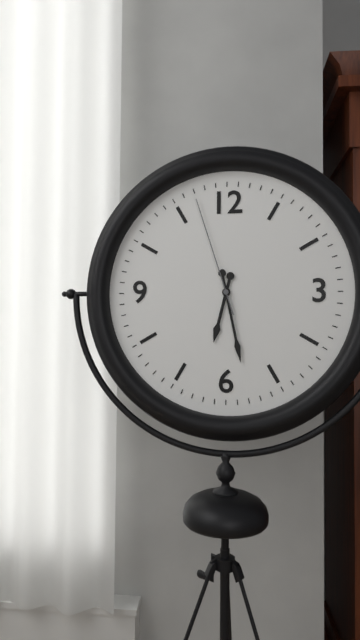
6,28,57
